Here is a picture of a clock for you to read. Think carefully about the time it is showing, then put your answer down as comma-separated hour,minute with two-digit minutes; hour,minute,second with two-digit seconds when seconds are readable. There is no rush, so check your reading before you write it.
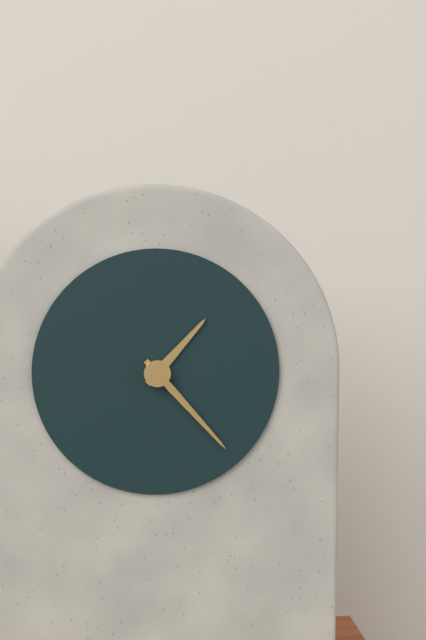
1,23
